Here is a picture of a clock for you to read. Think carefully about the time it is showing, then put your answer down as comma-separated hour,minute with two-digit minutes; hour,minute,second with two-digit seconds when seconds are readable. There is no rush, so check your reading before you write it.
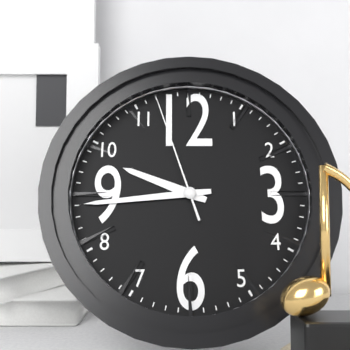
9,44,57
